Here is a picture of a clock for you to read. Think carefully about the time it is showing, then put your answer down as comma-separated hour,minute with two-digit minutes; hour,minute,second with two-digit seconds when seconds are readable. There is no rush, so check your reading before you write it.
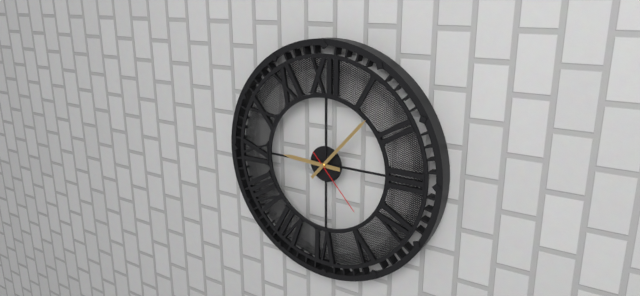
9,07,23
